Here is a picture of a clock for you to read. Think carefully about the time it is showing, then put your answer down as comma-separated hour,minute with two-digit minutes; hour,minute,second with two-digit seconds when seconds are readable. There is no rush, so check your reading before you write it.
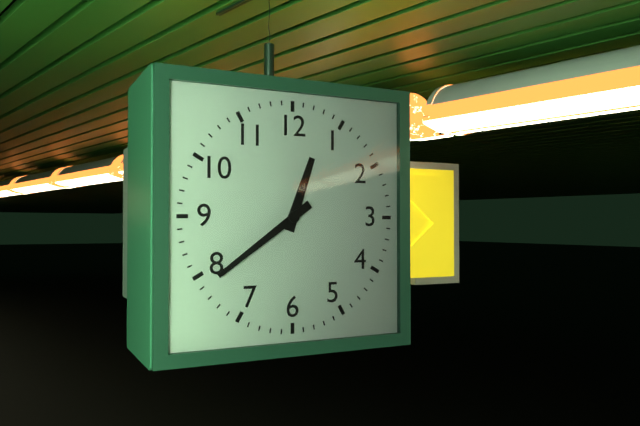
12,39
